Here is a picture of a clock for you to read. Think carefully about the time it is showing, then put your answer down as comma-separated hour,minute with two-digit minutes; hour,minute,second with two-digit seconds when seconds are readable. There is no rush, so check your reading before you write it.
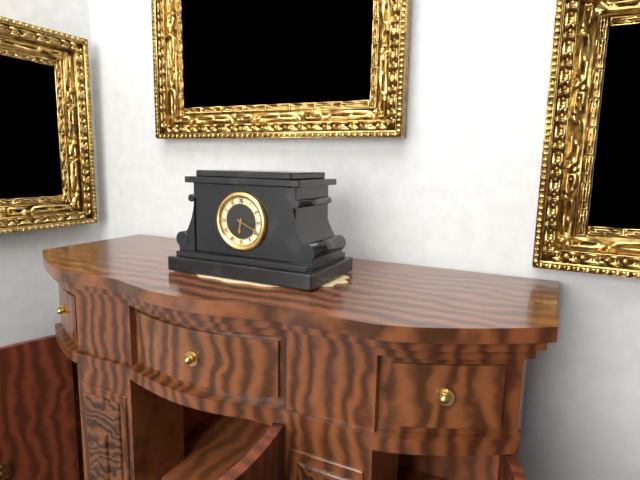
6,19
